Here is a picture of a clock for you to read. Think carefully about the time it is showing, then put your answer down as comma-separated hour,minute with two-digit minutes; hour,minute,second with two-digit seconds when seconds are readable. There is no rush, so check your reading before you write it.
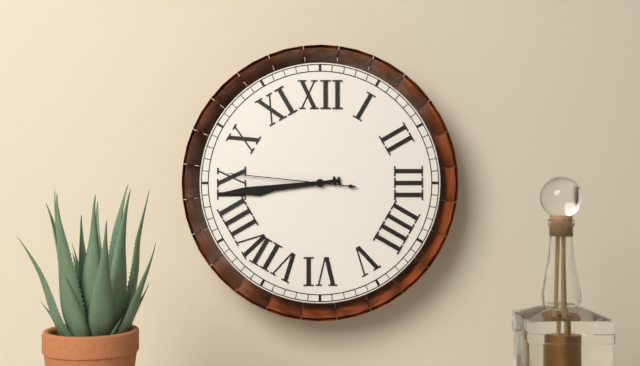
8,44,46
